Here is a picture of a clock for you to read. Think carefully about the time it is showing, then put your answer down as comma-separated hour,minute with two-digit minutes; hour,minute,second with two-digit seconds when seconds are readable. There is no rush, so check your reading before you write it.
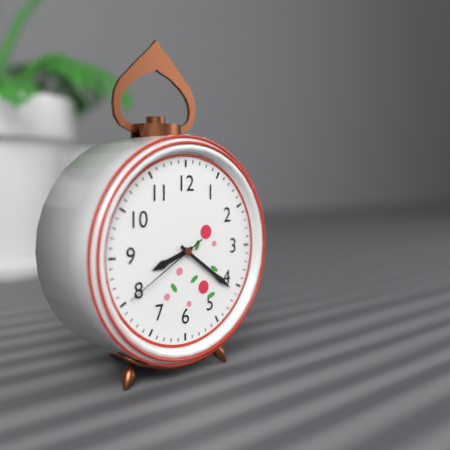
8,21,40
